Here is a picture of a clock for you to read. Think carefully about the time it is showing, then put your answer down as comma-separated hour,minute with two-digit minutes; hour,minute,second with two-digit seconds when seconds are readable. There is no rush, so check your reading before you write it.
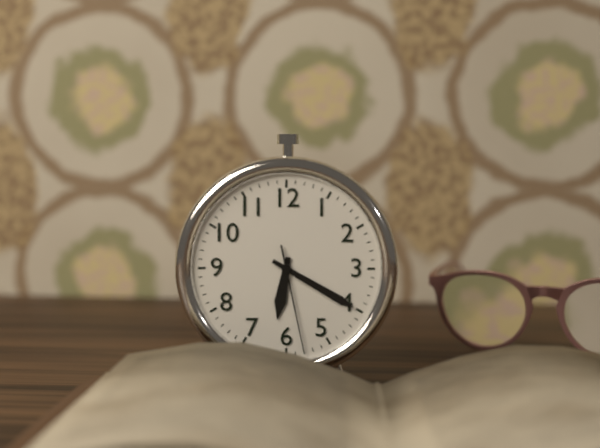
6,20,28
